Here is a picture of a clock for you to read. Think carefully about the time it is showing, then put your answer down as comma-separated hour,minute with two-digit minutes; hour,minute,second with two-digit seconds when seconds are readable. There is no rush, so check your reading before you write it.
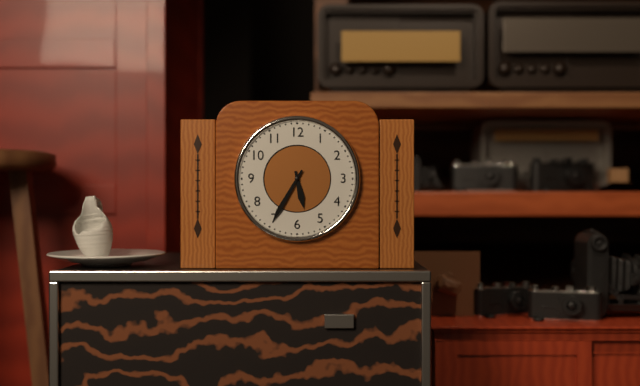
5,35
